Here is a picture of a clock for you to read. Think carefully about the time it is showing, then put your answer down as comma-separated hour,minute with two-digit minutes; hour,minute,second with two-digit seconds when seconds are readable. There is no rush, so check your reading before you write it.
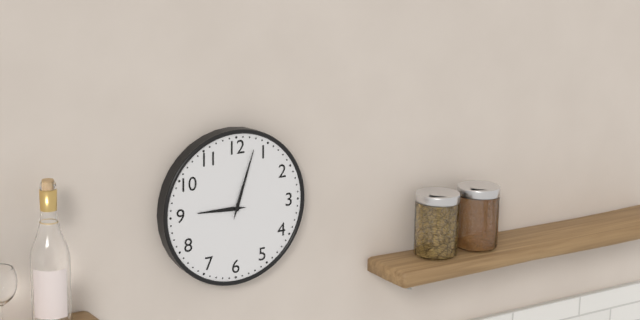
9,03
